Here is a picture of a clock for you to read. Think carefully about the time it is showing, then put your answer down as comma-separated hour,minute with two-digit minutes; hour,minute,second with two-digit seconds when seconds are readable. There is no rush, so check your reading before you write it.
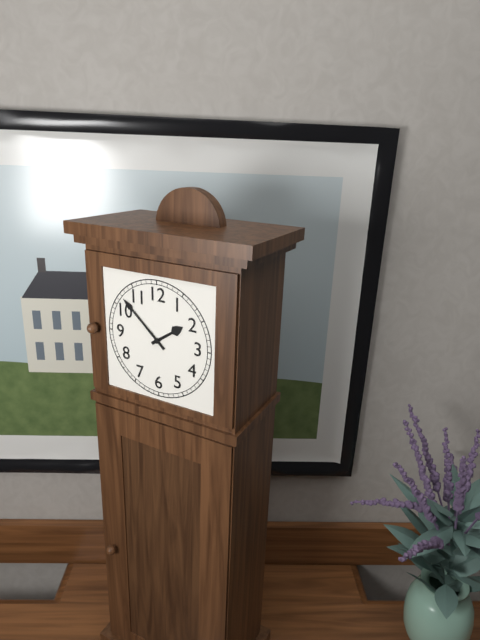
1,52
